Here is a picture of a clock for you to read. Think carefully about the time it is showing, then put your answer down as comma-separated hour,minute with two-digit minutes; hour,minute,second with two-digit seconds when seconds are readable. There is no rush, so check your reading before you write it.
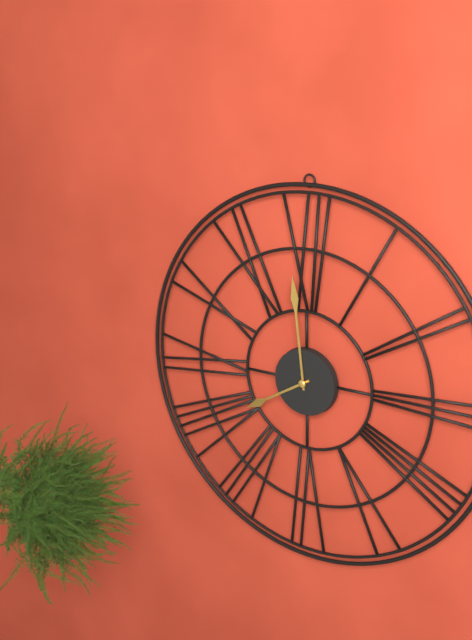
7,59
